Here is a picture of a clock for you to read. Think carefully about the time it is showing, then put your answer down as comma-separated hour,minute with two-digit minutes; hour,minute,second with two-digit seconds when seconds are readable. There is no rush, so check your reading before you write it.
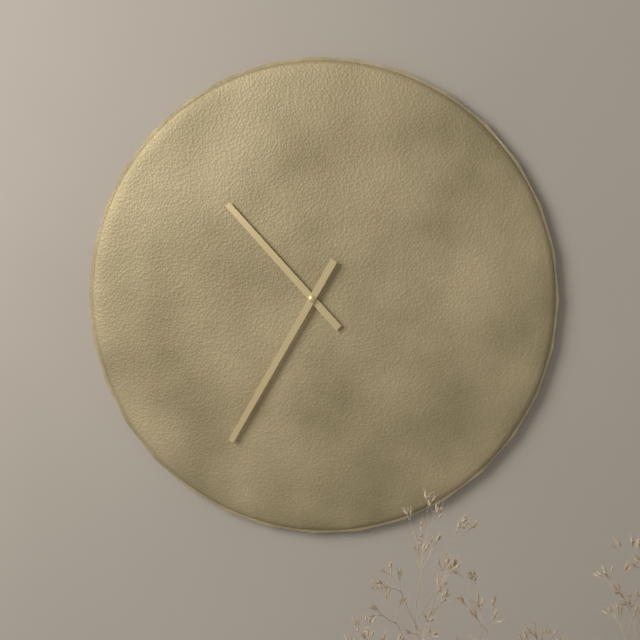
10,35
